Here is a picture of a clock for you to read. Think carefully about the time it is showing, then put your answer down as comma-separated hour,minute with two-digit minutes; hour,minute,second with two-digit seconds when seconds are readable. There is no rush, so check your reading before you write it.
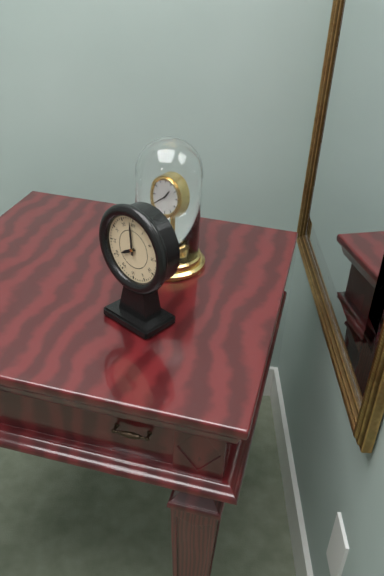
7,59
